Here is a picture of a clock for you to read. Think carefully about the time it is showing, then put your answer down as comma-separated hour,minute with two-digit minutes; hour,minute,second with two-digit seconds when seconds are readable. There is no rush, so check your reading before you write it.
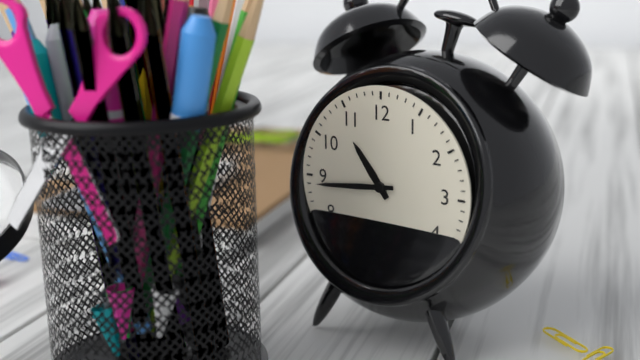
10,44
